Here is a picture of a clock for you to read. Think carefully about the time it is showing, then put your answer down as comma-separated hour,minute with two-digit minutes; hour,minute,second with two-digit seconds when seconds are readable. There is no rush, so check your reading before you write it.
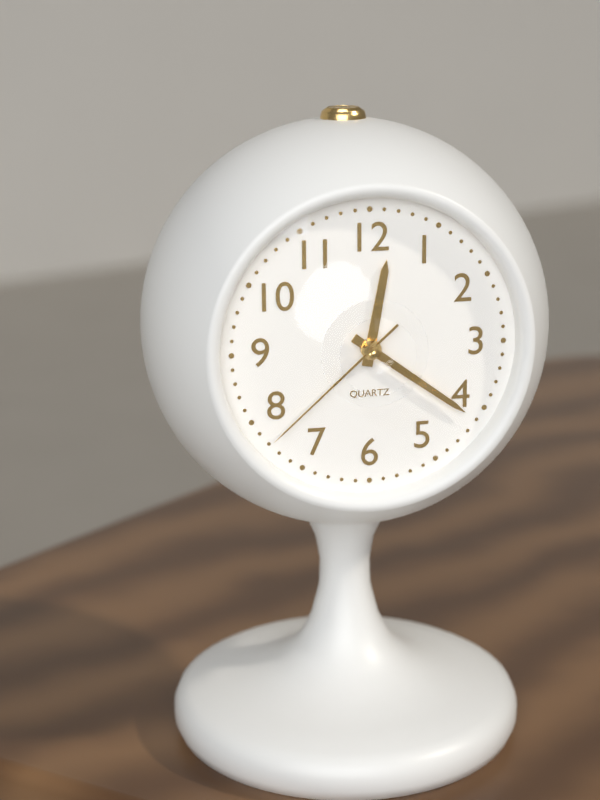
12,21,38
